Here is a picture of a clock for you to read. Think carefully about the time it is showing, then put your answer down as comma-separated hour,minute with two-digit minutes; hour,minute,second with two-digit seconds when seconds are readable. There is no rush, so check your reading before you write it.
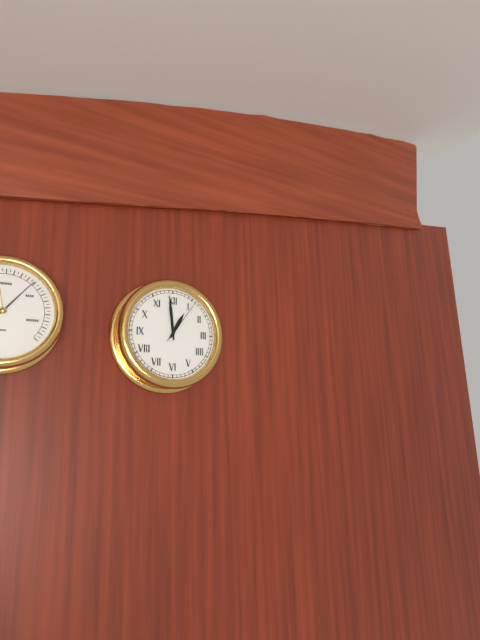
12,59
